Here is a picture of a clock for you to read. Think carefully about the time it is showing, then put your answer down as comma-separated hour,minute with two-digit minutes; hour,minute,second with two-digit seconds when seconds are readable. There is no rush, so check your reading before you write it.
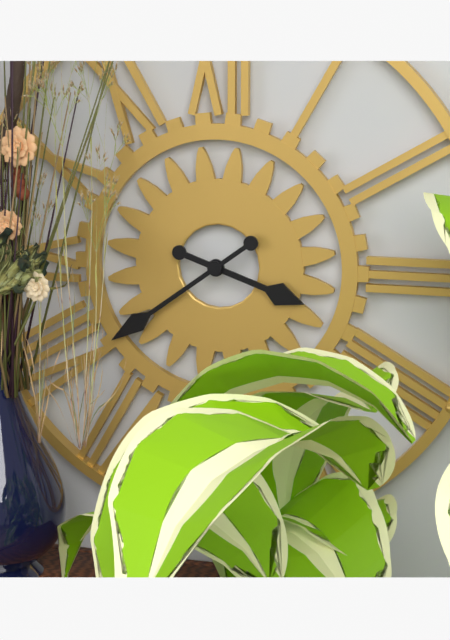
3,39
